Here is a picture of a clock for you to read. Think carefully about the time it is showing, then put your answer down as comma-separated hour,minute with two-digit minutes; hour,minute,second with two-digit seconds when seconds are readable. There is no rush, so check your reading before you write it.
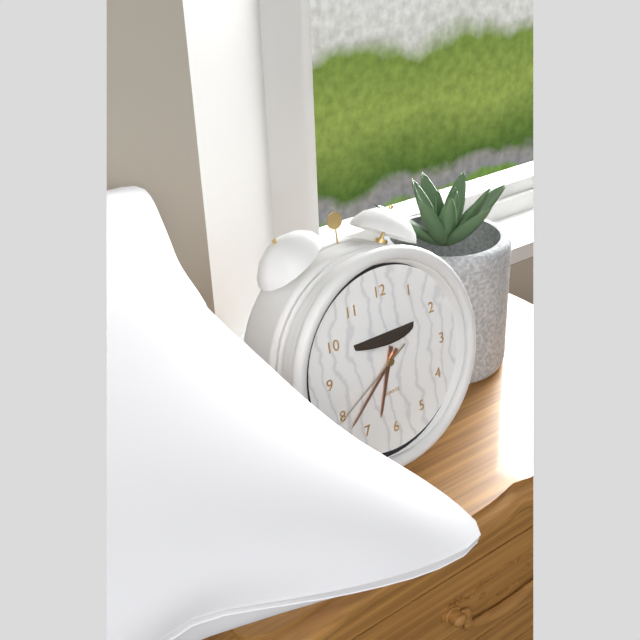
6,38,40
